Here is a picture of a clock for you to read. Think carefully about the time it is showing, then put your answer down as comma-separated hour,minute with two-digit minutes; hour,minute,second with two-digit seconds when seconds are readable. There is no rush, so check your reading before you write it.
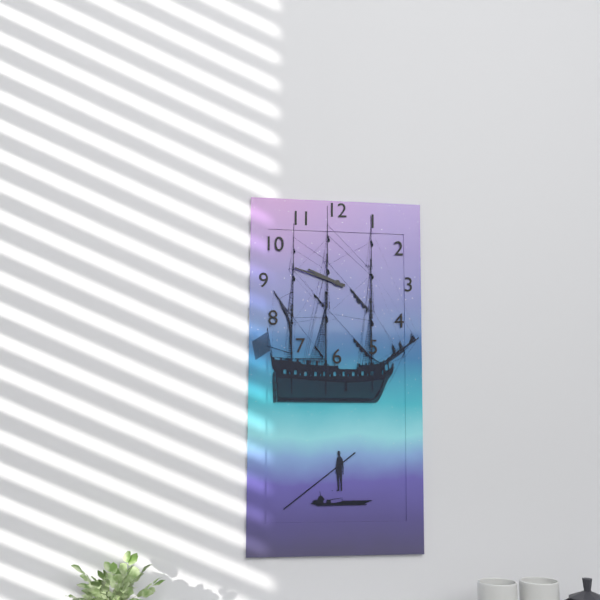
9,48
